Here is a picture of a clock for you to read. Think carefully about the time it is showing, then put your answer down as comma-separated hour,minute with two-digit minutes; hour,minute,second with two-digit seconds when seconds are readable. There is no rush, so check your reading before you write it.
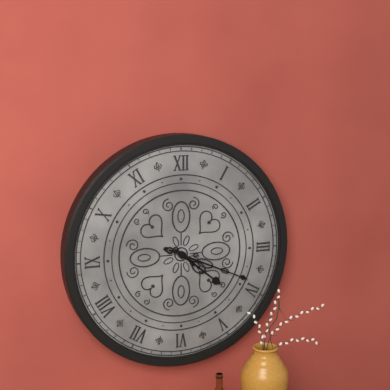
4,19
